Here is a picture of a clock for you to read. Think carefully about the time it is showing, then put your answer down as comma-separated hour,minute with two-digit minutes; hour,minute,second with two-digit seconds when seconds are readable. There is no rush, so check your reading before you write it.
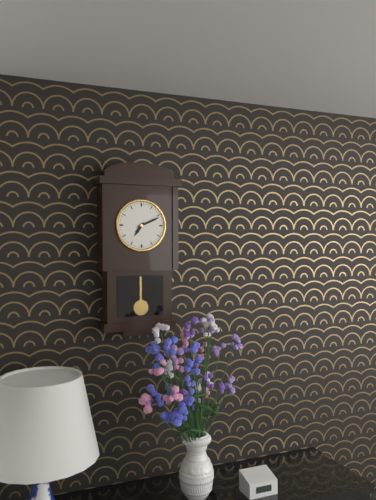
7,11
